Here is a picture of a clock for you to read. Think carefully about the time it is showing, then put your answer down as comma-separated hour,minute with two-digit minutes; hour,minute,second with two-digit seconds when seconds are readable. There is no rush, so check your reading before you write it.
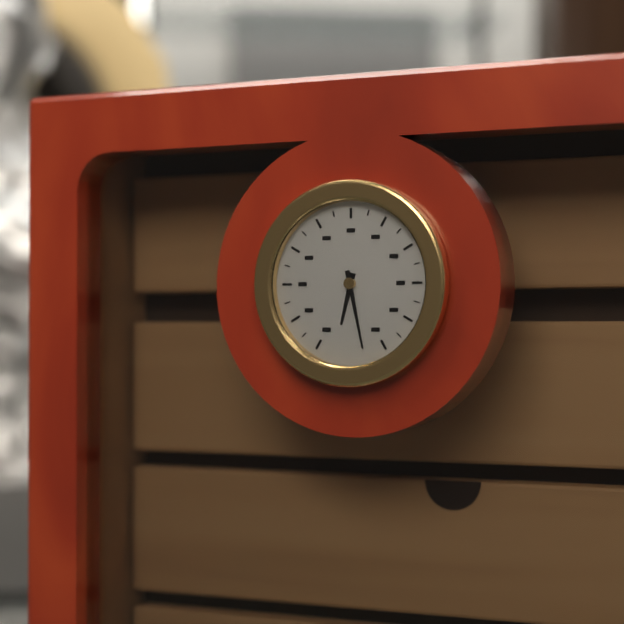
6,28
